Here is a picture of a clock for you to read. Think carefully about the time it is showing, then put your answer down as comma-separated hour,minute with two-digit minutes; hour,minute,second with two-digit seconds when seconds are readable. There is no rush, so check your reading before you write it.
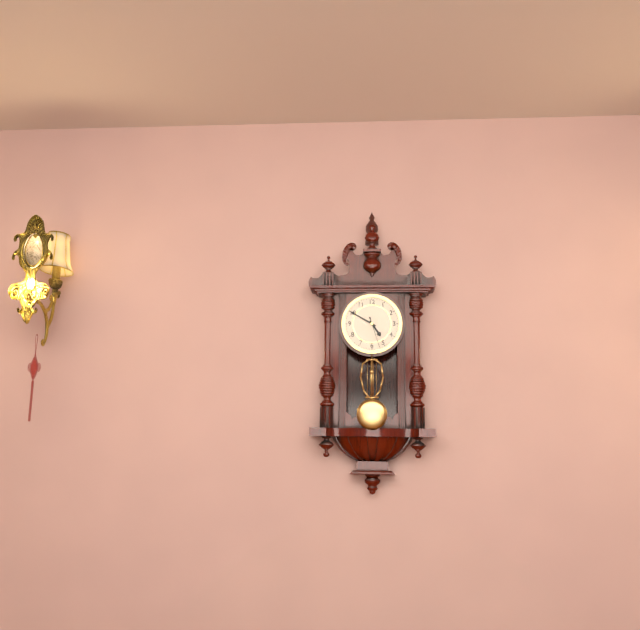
4,50
